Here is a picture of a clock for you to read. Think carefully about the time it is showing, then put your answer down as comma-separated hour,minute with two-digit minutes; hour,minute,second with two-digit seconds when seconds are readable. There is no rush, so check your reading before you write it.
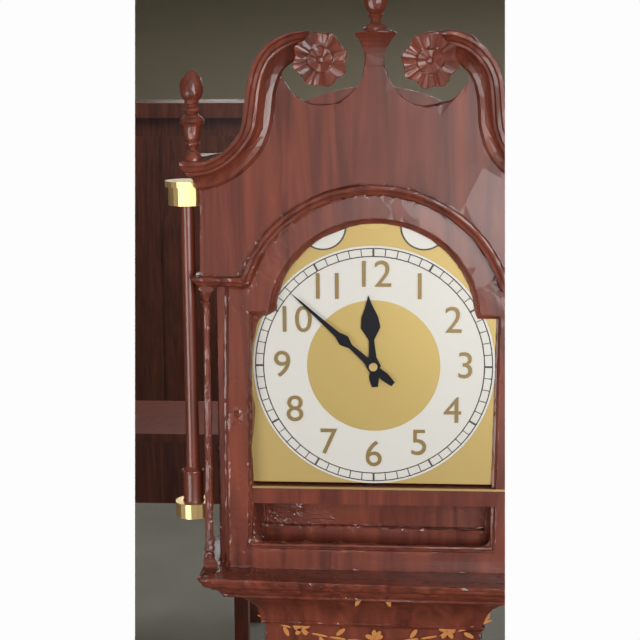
11,52
